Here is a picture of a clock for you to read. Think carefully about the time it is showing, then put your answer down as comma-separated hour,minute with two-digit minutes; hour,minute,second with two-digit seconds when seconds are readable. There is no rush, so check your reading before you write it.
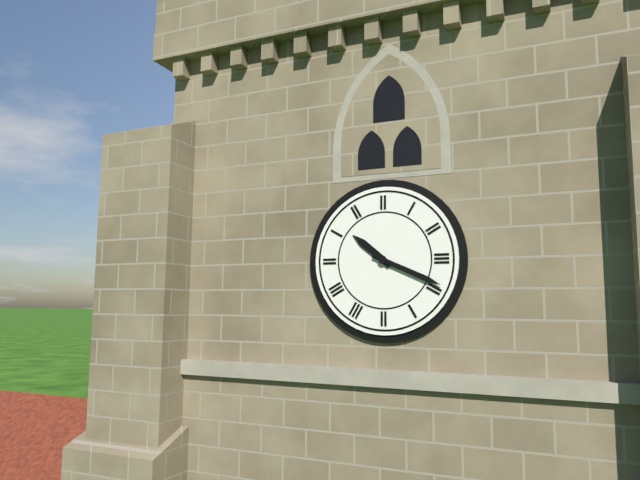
10,19
